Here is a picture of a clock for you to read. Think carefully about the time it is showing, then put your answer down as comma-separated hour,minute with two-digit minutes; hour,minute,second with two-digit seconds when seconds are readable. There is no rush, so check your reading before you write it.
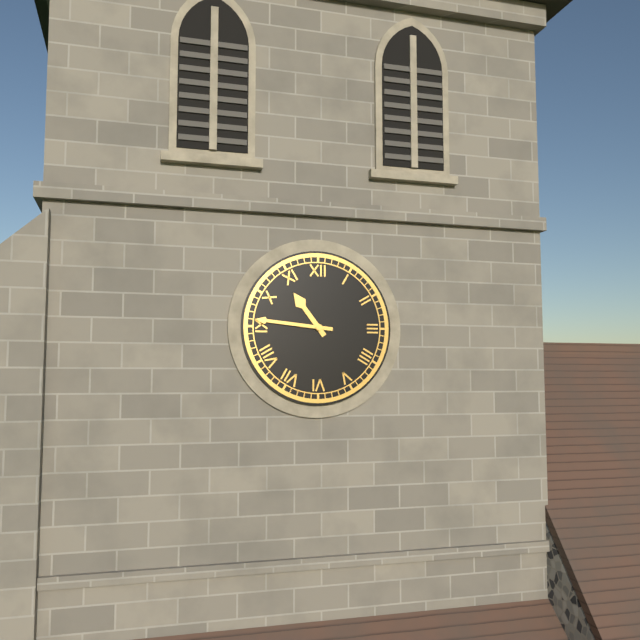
10,46
